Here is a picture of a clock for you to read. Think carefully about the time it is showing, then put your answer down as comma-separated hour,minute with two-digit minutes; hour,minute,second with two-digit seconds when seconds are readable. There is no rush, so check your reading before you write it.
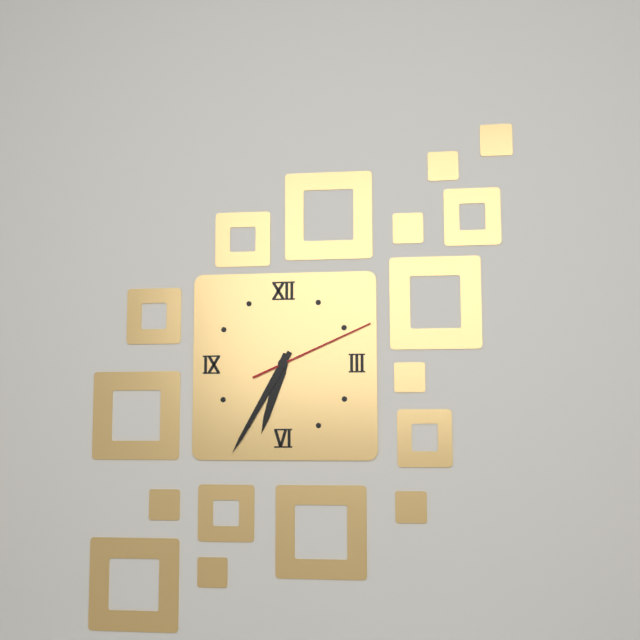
6,35,11
